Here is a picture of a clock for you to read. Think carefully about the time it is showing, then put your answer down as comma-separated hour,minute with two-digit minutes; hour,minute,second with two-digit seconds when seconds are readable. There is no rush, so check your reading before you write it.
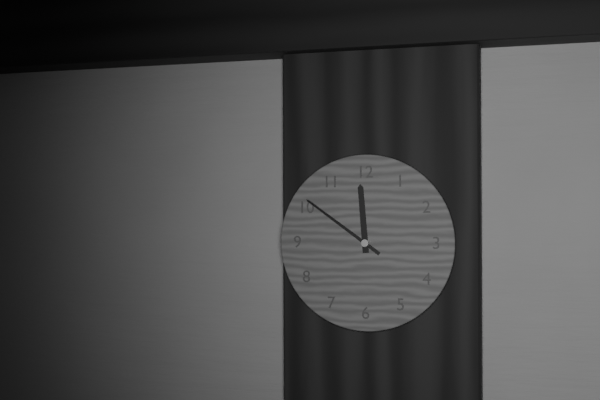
11,51
